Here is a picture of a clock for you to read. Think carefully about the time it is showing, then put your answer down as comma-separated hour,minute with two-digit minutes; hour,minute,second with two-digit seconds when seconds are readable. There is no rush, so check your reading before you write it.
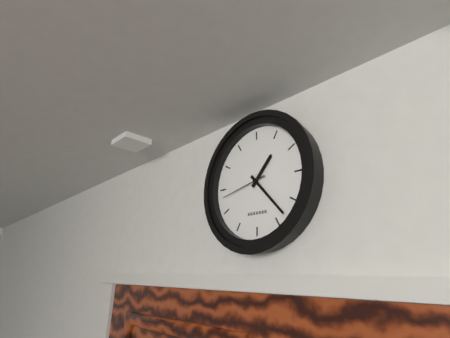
1,23
